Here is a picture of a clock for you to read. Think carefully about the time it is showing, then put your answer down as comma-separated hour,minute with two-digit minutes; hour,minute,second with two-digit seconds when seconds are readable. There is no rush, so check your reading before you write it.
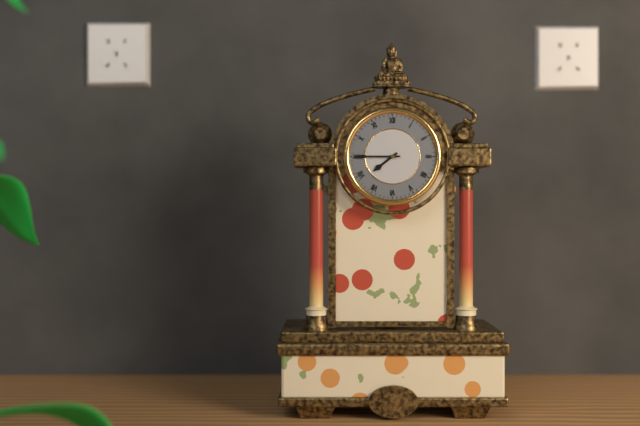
7,45
